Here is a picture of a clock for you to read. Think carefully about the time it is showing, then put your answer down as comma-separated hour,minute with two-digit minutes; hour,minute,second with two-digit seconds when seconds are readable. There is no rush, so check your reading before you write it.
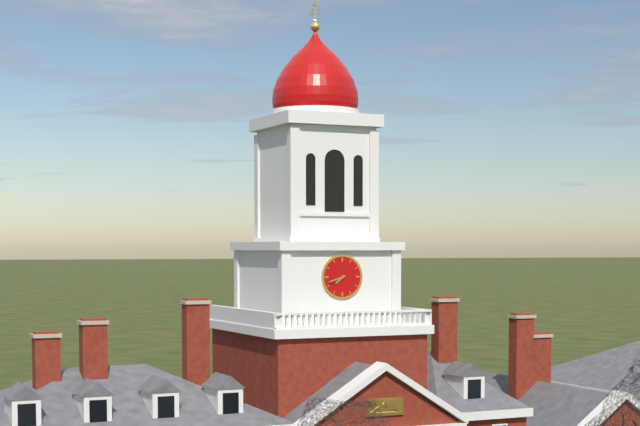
7,42
